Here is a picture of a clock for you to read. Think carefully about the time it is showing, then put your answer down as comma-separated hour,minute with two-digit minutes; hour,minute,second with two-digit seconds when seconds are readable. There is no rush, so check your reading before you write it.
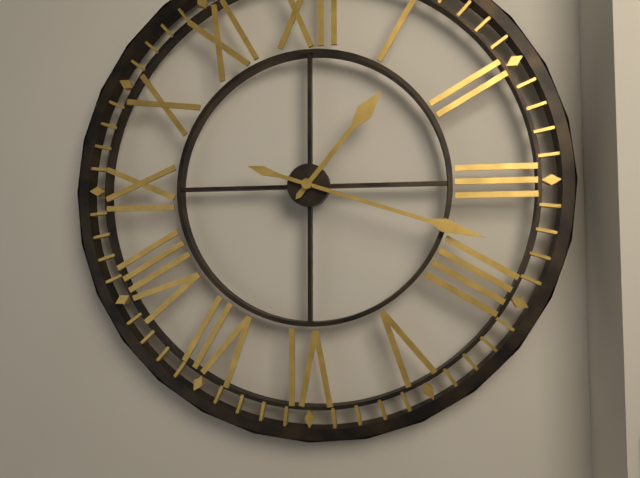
1,18
